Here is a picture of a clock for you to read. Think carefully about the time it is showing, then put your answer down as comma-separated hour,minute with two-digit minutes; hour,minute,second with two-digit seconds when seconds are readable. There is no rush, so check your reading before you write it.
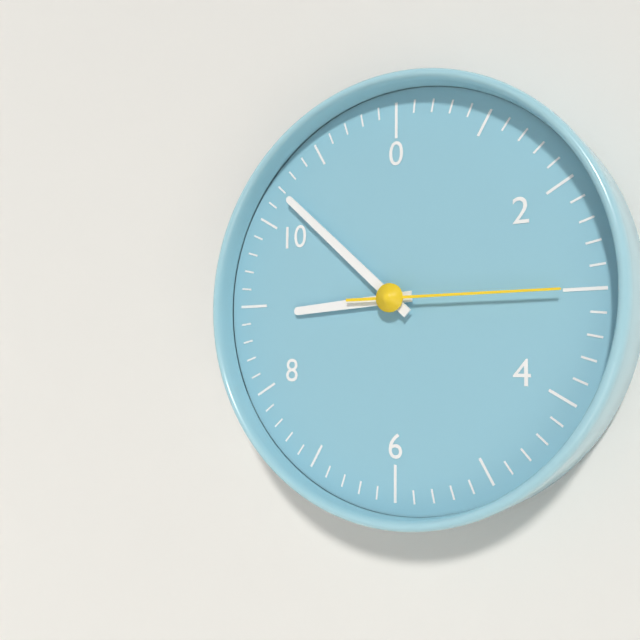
8,52,15
